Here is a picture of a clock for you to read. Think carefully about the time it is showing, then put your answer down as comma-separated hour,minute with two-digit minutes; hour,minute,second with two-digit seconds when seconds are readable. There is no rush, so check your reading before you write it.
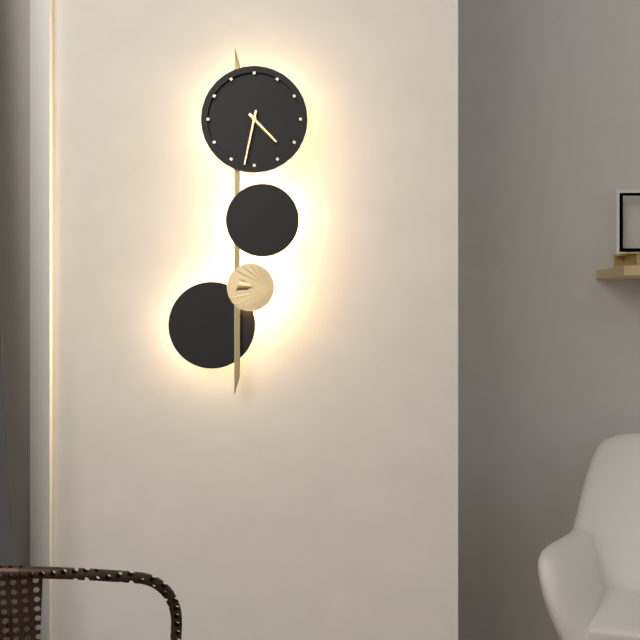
4,32
